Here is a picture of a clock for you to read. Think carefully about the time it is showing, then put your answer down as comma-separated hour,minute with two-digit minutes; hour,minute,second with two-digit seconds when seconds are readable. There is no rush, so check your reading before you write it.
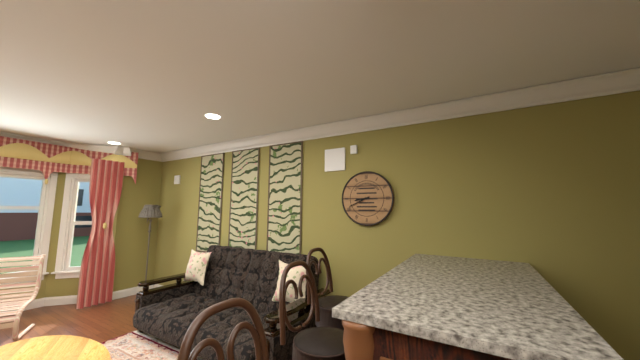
8,41
